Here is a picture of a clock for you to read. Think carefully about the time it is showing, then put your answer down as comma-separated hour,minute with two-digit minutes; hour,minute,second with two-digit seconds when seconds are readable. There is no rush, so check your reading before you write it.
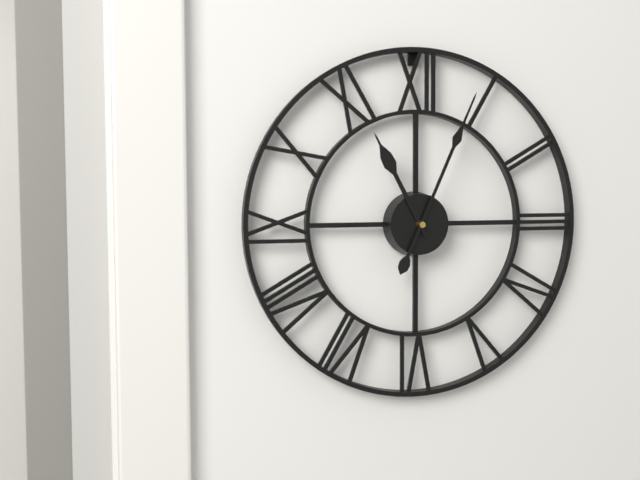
11,04
